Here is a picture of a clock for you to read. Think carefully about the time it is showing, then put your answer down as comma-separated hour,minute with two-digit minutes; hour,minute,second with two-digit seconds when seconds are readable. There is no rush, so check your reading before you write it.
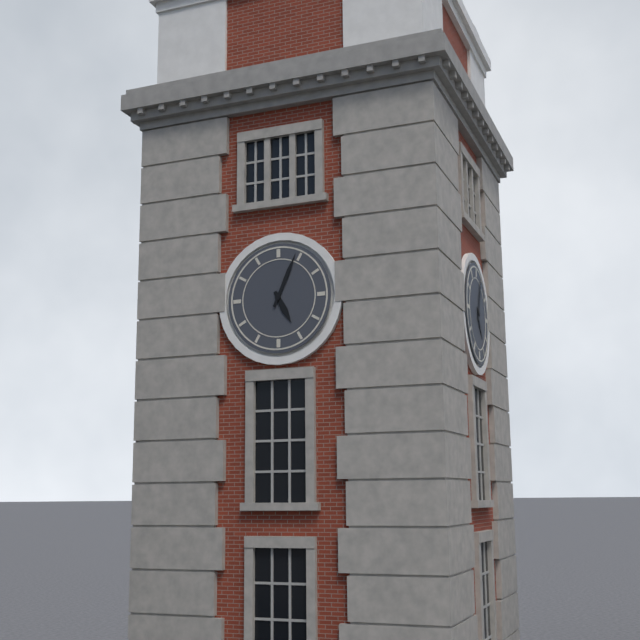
5,04
